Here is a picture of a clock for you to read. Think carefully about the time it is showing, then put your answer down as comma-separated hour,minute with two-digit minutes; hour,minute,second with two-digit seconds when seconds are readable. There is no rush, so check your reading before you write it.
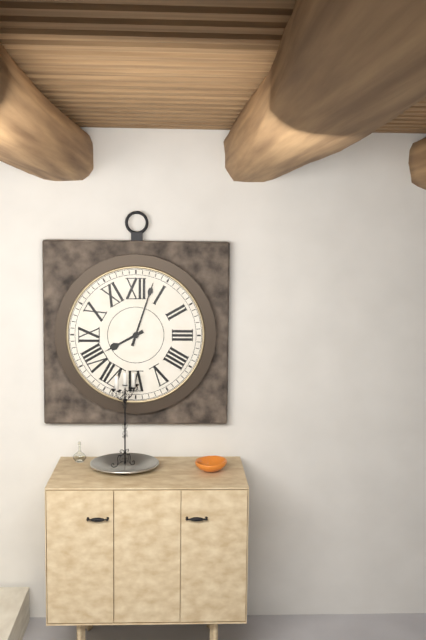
8,03
